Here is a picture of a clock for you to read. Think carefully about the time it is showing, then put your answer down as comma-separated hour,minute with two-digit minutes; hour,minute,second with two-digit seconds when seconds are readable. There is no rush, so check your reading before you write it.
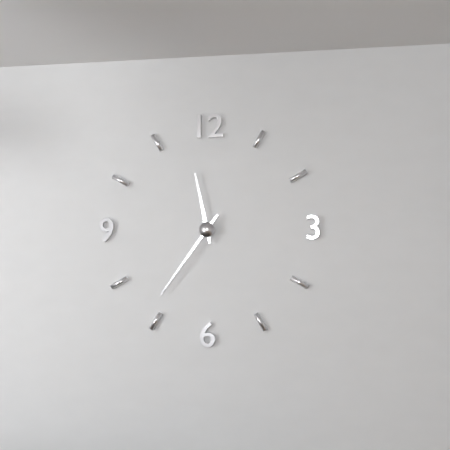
11,36
